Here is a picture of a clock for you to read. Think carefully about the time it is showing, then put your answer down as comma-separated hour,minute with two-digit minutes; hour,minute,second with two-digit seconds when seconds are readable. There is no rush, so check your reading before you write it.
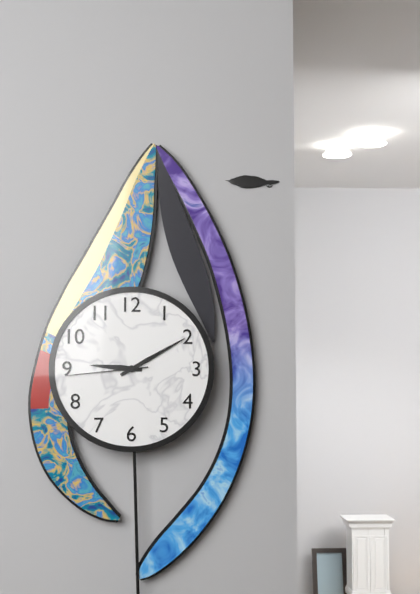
9,10,44
